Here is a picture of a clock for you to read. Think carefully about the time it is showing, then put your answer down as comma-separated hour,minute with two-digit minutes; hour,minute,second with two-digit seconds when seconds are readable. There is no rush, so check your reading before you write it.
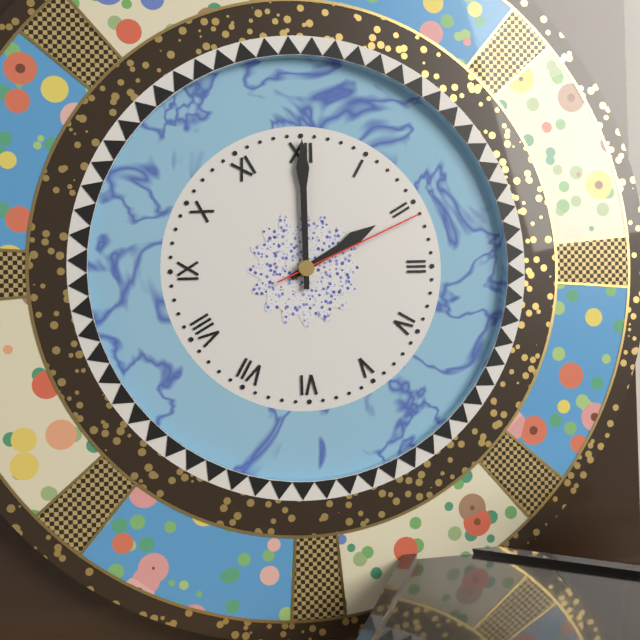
2,00,11
